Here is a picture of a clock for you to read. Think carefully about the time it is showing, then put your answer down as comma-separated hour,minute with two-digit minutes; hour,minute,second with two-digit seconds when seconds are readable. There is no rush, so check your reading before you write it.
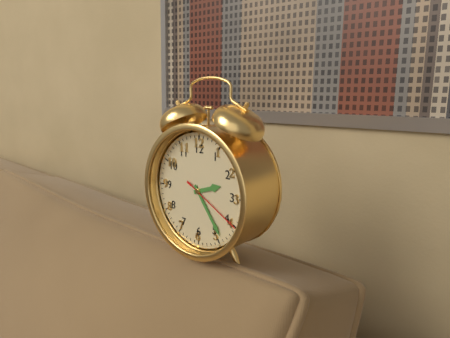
2,24,20
